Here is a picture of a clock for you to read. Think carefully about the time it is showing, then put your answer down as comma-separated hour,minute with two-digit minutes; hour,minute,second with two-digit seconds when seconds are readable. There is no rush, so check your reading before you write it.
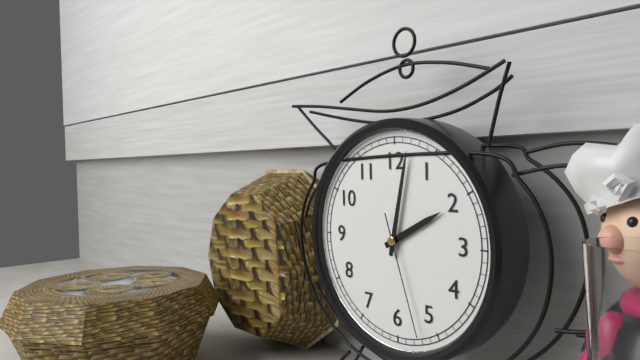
2,02,27
